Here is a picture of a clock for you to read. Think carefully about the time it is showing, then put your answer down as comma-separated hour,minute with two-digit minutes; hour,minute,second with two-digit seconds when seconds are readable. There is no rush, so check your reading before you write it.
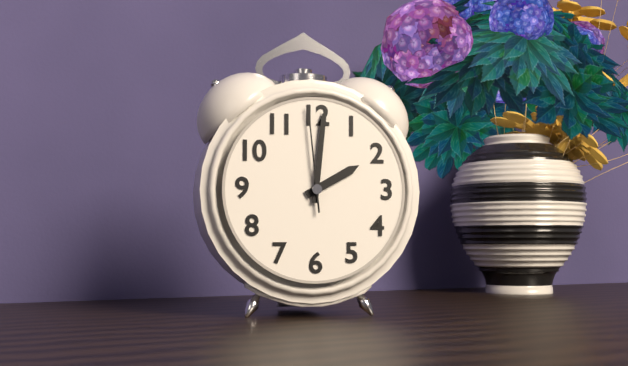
2,01,59
